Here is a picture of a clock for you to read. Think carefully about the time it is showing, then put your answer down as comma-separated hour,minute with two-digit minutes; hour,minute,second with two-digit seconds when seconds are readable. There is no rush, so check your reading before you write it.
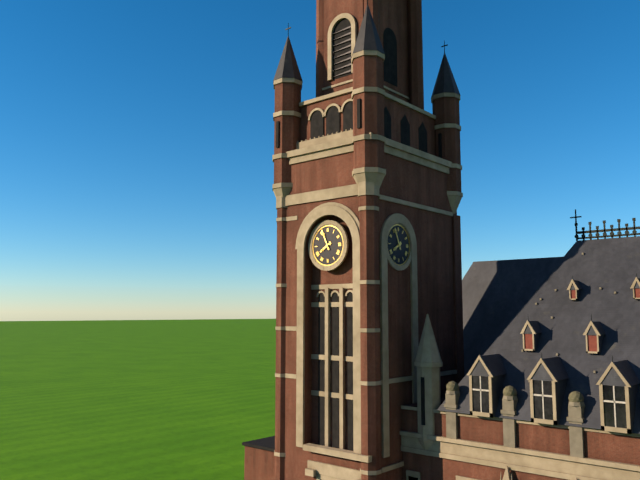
7,56
